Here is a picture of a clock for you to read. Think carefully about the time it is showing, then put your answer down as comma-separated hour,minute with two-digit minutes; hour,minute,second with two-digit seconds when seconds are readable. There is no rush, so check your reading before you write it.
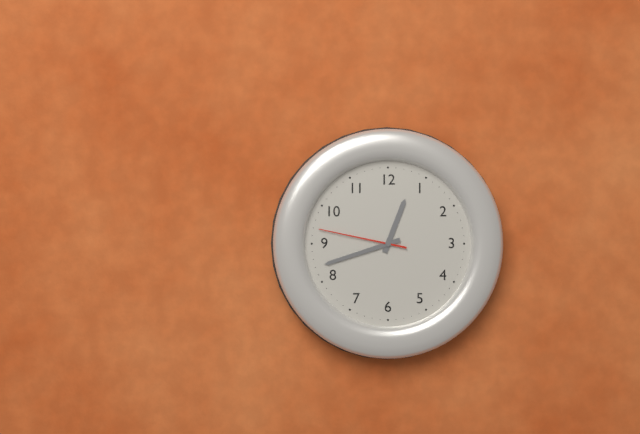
12,42,47
